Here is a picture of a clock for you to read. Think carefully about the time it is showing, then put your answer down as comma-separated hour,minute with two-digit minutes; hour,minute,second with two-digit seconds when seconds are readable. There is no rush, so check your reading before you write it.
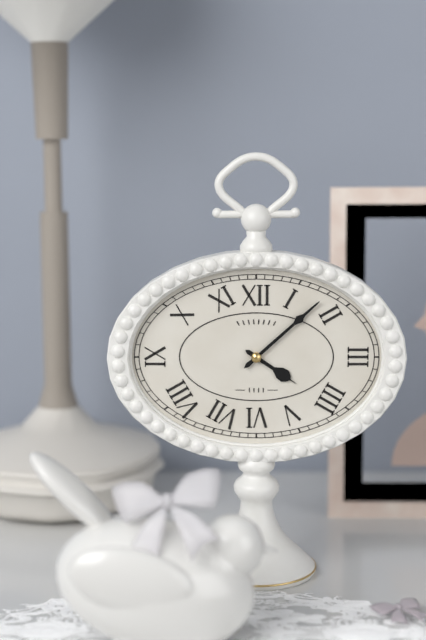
4,08
